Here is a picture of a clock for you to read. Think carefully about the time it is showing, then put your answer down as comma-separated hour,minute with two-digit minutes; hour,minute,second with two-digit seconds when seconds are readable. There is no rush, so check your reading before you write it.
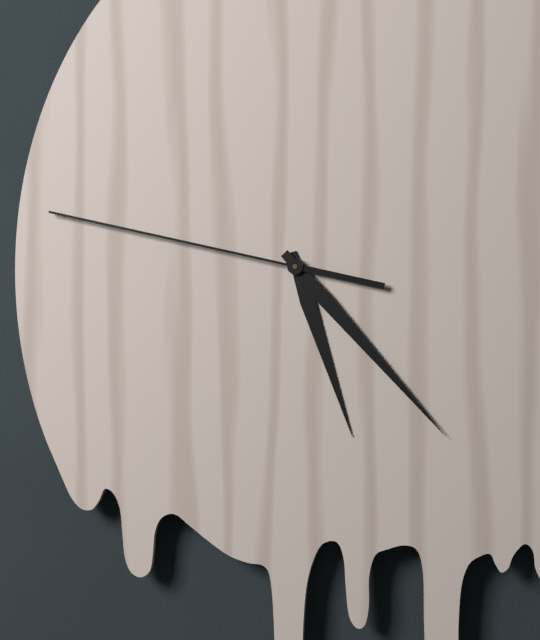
5,23,47
